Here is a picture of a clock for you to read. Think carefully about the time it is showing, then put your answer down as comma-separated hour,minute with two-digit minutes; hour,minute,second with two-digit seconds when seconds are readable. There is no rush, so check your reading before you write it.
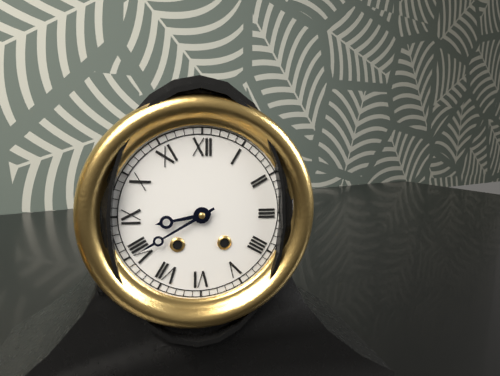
8,40
